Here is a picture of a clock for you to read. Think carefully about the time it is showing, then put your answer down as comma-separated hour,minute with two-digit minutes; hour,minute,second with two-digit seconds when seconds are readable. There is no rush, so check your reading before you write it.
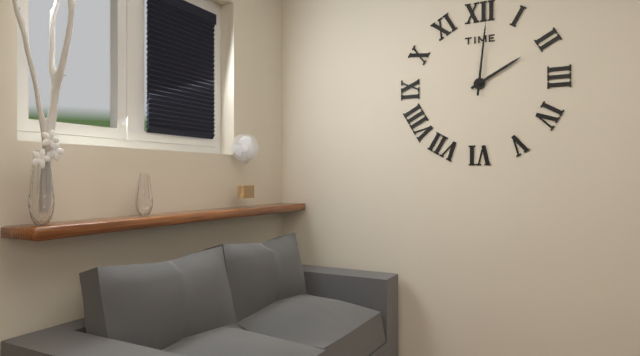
2,01
